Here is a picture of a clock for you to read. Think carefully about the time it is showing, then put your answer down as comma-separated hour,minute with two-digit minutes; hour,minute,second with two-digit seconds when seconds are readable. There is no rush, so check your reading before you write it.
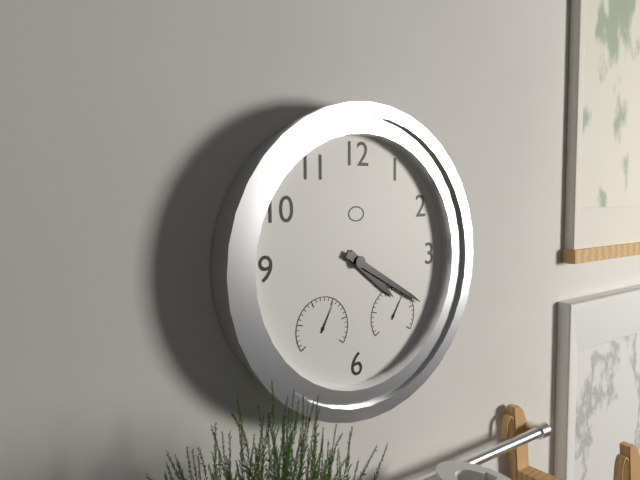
4,20
